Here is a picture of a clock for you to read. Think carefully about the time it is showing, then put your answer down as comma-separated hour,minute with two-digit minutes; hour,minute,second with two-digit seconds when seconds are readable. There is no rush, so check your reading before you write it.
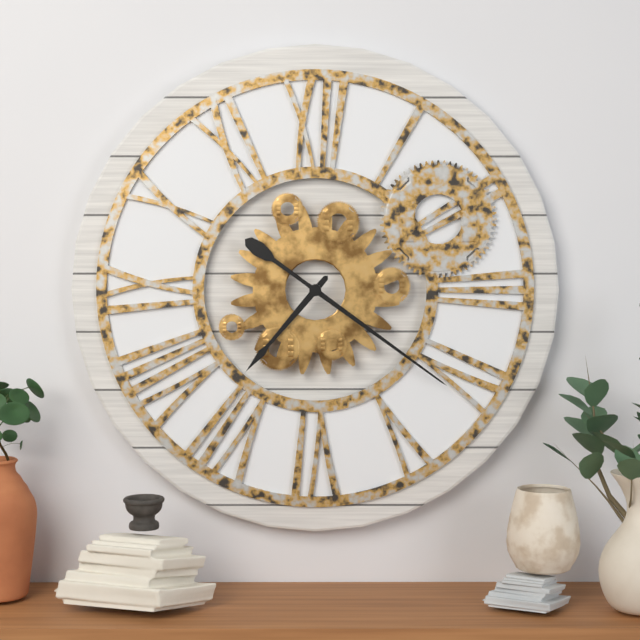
7,21
